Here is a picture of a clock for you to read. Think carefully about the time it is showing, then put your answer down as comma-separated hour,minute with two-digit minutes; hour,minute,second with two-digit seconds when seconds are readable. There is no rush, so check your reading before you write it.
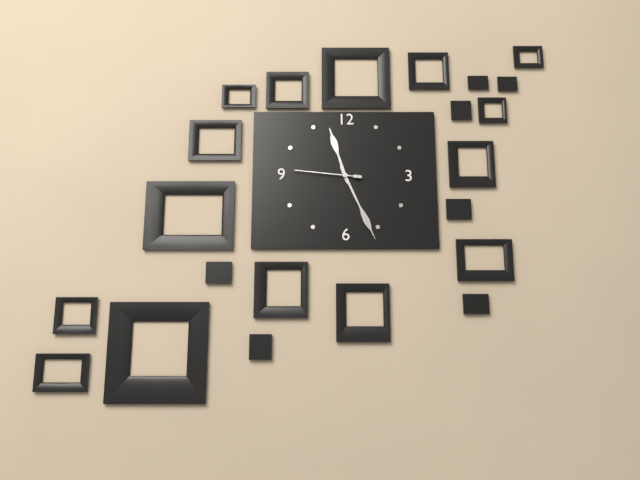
11,26,46
